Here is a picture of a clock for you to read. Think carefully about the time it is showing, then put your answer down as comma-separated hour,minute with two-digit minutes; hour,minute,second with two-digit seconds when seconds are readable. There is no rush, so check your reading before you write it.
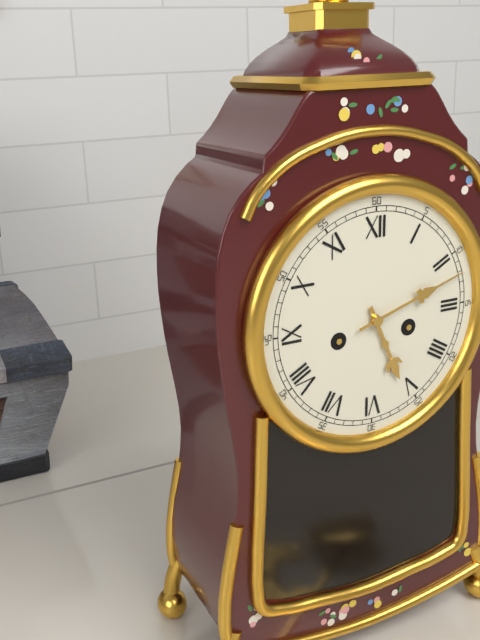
5,12
